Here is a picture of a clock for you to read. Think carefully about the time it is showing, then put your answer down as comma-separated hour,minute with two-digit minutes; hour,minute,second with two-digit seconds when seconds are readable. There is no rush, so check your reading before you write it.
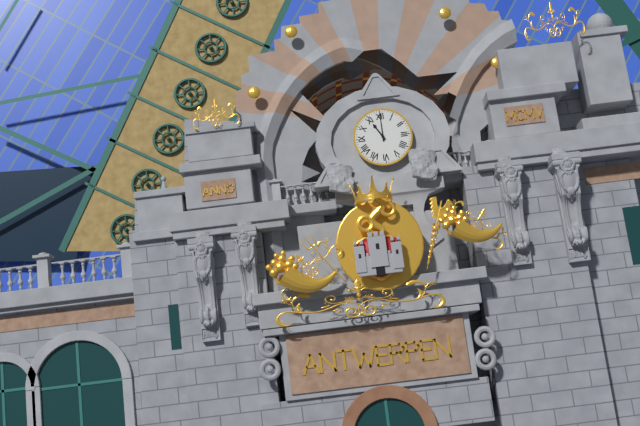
11,00
